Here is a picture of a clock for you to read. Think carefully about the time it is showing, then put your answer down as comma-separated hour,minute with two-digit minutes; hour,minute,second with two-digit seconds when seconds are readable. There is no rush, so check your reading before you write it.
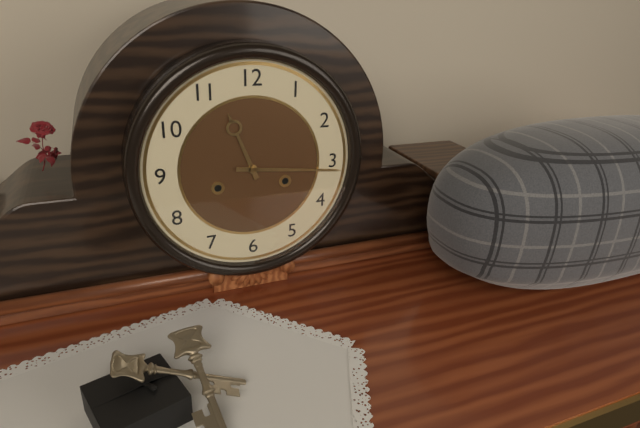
11,16
